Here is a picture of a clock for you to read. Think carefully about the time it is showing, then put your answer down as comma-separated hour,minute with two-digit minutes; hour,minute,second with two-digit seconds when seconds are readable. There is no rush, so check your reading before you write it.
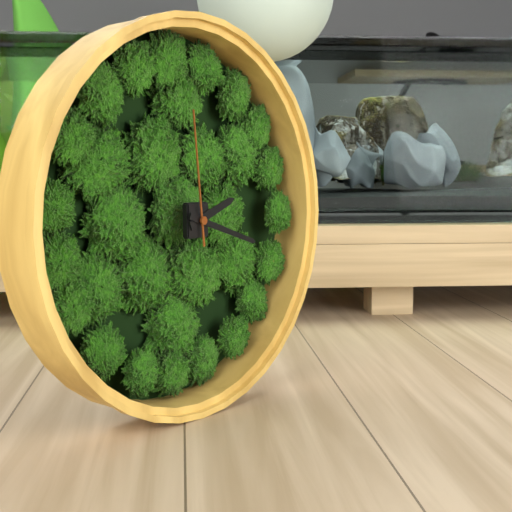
2,18,59
